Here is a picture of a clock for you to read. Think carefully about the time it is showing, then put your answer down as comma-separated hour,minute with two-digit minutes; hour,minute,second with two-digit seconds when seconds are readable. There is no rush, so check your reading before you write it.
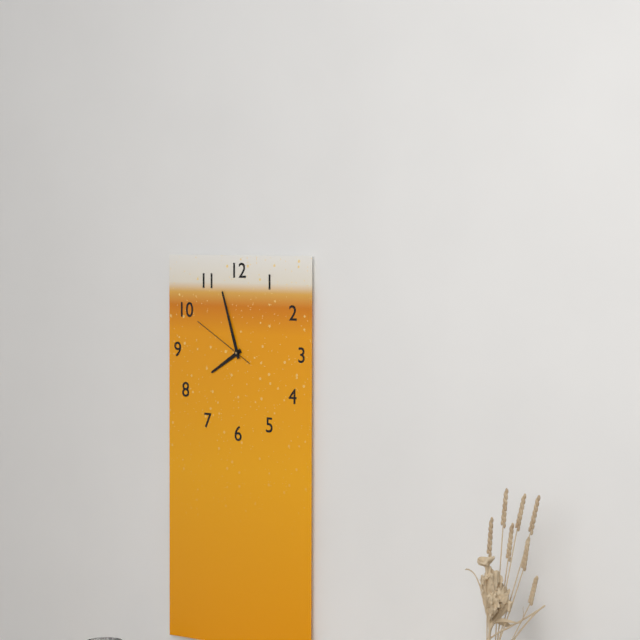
7,57,50
